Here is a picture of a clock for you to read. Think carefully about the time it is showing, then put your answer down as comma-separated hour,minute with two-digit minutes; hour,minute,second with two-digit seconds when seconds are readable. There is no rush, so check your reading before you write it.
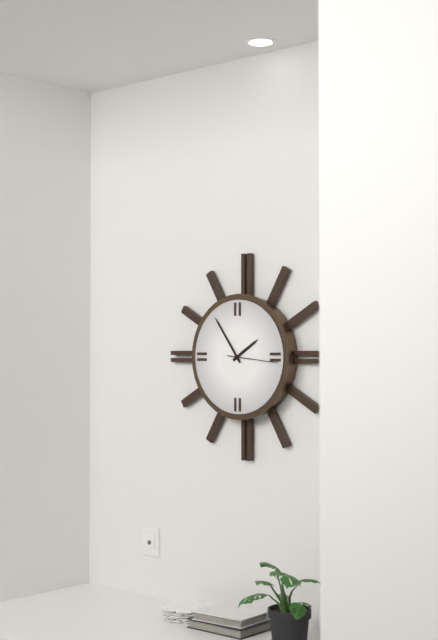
1,54
